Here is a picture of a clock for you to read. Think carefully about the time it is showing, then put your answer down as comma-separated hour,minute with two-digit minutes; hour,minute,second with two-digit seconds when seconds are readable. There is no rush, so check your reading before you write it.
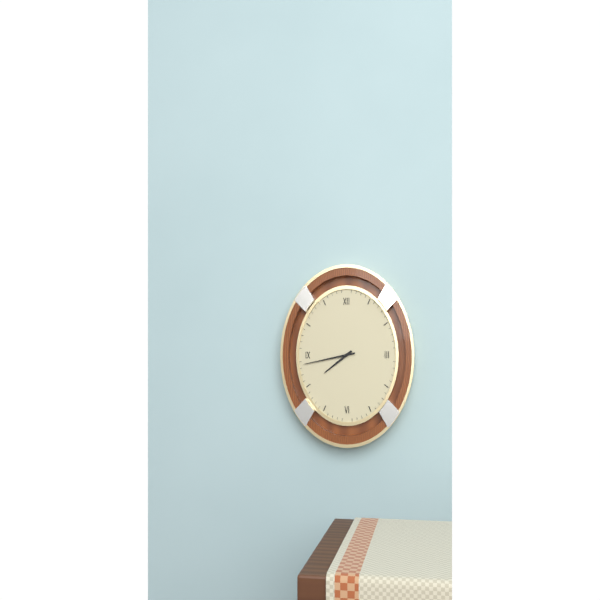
7,43
